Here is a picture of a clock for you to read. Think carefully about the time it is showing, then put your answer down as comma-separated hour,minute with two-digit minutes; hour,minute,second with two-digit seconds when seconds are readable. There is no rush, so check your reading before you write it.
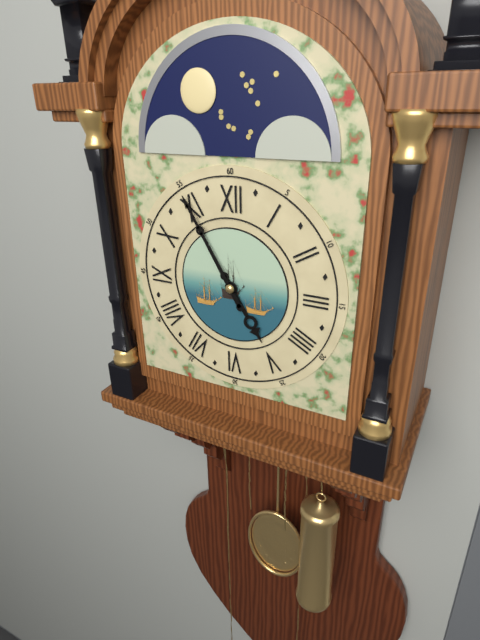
4,55
